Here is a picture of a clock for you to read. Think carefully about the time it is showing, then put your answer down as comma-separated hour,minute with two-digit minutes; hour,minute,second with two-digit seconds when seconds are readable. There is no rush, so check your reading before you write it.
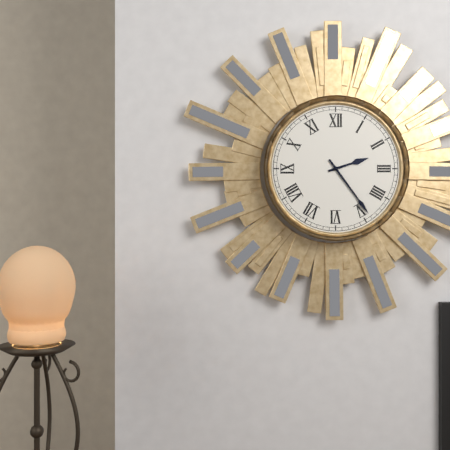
2,24
